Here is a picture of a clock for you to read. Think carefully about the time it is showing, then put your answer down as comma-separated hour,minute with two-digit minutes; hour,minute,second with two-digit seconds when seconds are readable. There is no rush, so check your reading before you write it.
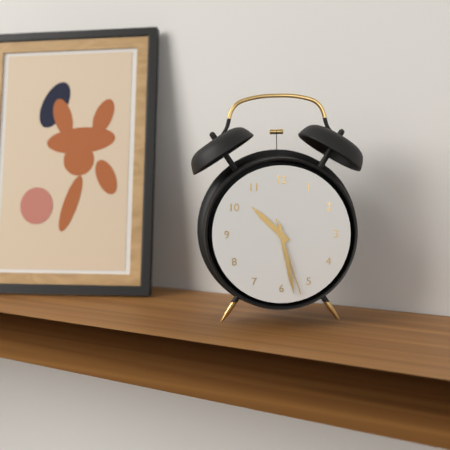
10,28,27
